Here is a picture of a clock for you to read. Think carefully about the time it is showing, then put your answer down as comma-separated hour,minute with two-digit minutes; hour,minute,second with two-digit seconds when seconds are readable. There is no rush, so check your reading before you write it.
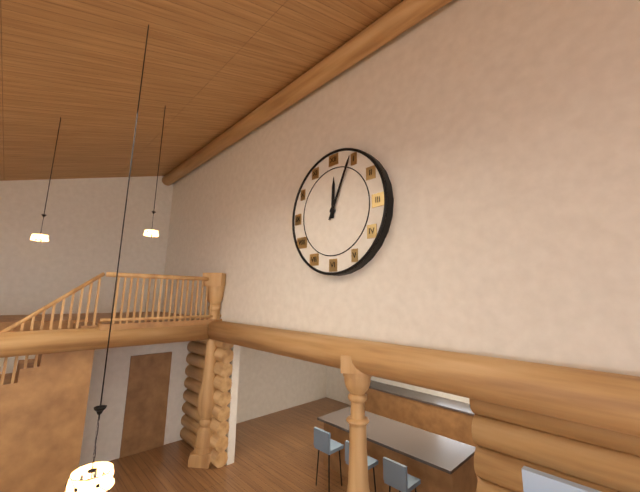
12,04
